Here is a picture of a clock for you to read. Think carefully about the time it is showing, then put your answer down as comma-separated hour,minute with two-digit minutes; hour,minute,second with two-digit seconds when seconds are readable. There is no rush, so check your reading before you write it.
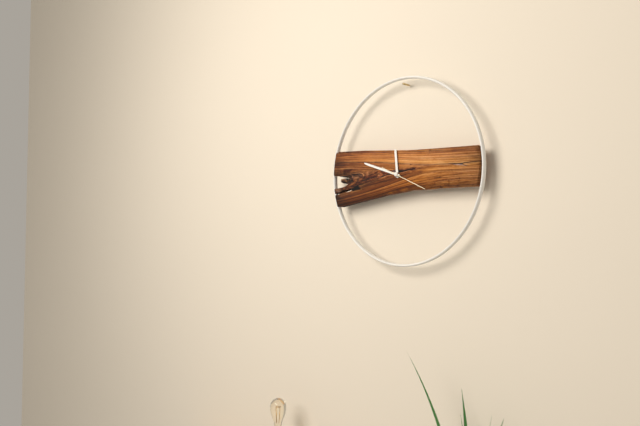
11,48
